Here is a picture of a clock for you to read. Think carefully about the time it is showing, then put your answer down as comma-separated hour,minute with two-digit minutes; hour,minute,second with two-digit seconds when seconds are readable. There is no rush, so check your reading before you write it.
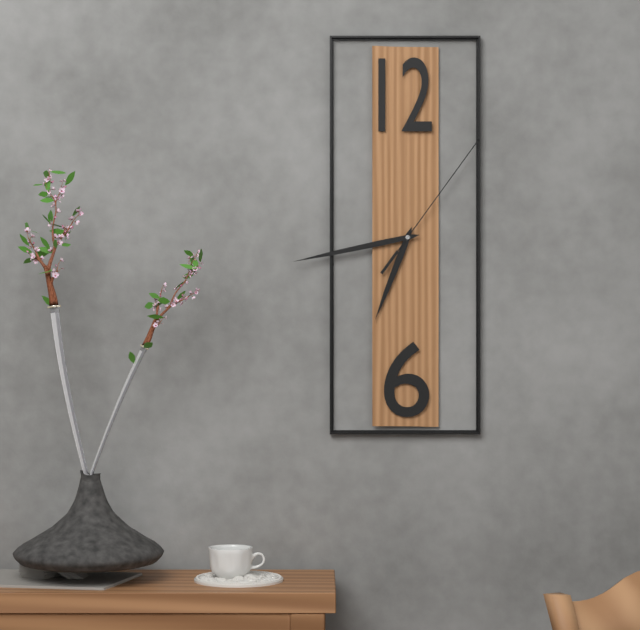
6,43,06
